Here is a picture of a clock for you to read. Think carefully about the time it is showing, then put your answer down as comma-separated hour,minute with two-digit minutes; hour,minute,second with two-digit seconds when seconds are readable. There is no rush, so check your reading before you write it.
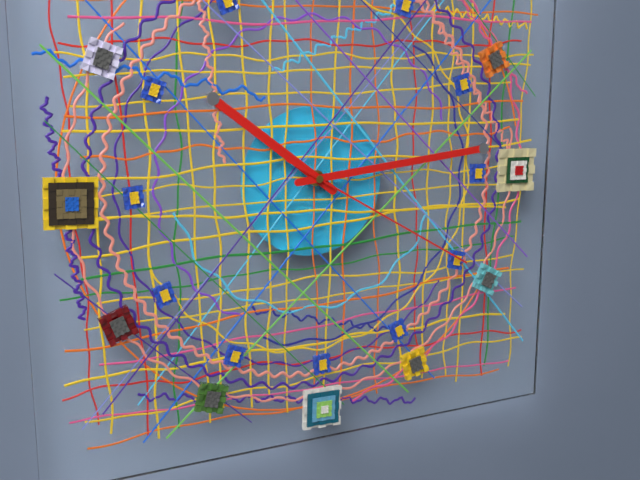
10,14,20
